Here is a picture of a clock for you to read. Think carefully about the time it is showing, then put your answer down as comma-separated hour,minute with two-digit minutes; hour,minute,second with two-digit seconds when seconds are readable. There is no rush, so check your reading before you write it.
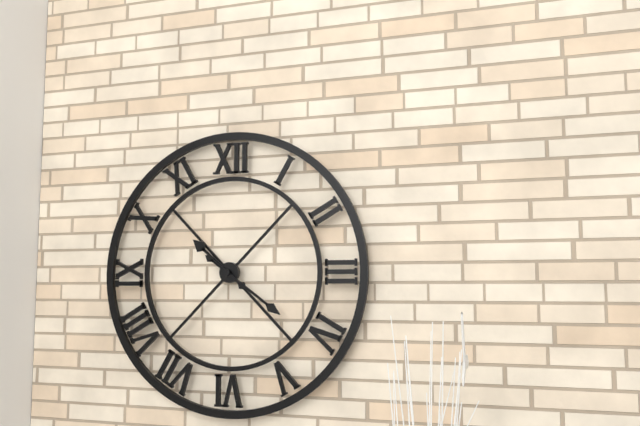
10,21
